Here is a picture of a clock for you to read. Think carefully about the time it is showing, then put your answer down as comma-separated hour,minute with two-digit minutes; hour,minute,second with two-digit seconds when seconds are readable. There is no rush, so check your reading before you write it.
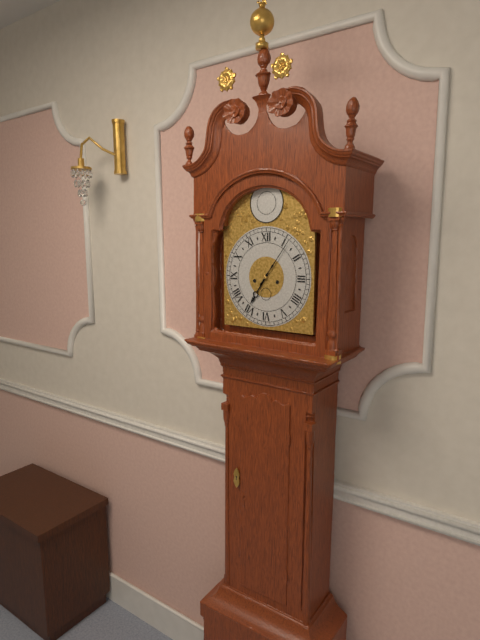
7,06
